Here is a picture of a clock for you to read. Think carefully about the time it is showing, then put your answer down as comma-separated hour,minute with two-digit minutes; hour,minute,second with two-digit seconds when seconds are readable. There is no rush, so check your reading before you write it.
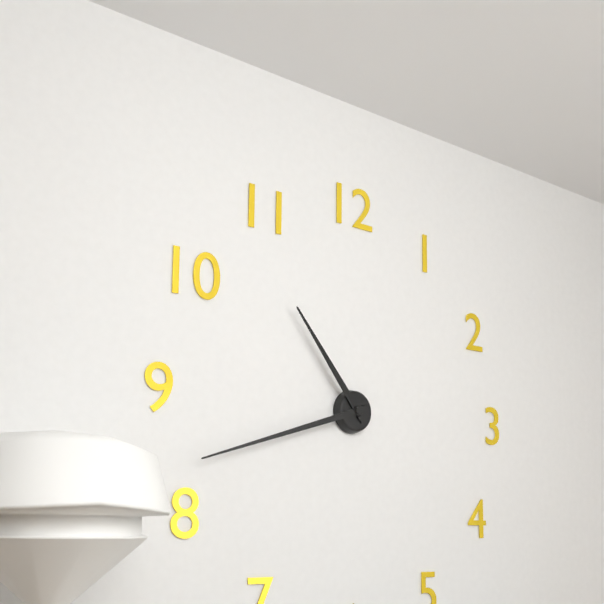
10,42
